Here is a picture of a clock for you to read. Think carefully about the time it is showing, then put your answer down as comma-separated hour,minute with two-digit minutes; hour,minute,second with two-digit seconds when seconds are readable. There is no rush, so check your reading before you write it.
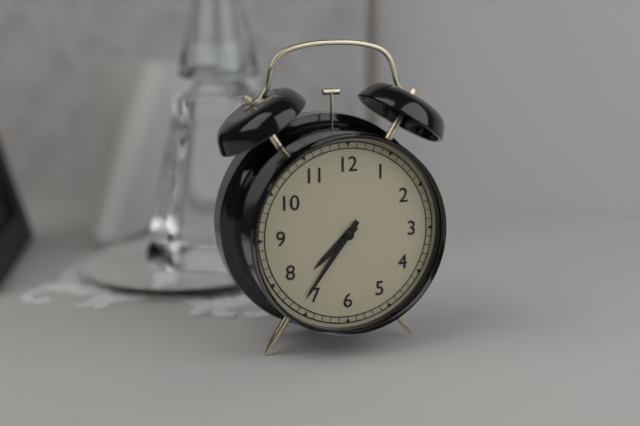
7,36
